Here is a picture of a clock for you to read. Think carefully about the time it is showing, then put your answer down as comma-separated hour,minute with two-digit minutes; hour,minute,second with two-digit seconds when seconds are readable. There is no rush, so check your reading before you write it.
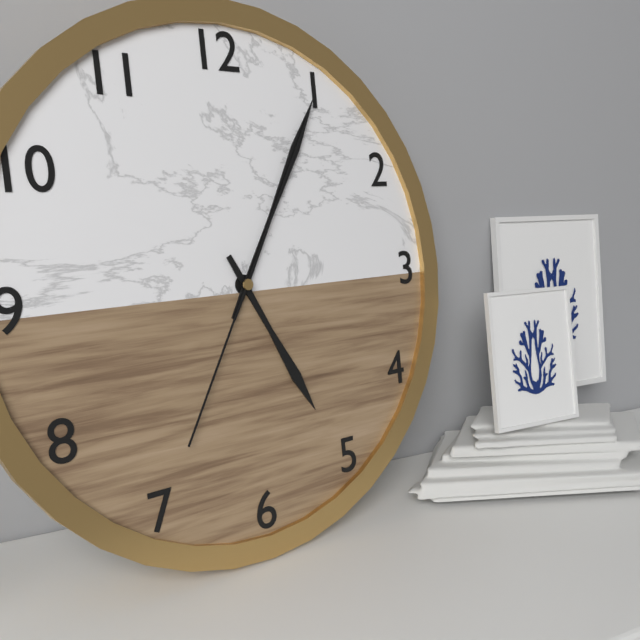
5,05,05
